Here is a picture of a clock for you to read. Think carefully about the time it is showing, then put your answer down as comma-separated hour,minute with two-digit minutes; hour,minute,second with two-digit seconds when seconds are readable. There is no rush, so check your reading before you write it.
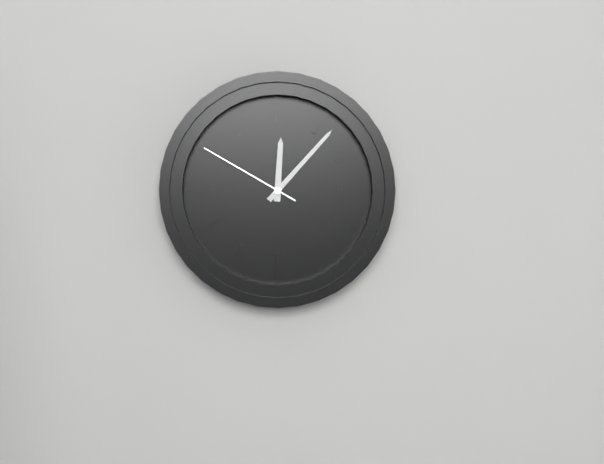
12,07,50
